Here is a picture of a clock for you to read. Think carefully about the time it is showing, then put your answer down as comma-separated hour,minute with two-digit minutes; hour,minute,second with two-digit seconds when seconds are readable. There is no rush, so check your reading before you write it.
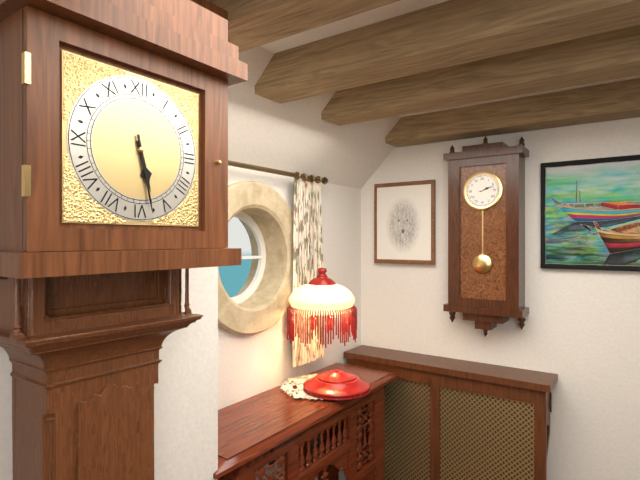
5,28
